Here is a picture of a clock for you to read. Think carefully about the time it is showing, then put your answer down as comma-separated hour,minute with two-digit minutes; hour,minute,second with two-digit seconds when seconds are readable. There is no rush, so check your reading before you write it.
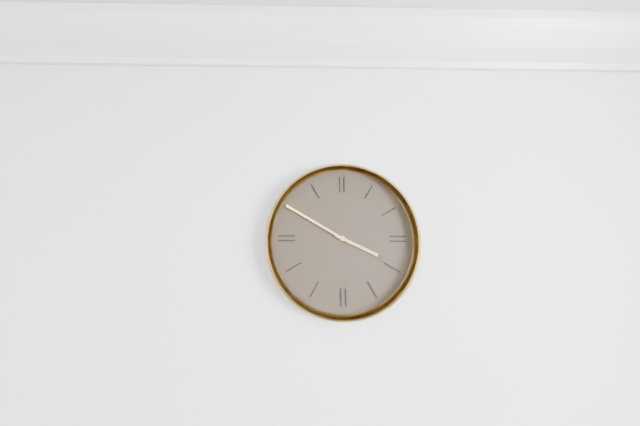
3,50
